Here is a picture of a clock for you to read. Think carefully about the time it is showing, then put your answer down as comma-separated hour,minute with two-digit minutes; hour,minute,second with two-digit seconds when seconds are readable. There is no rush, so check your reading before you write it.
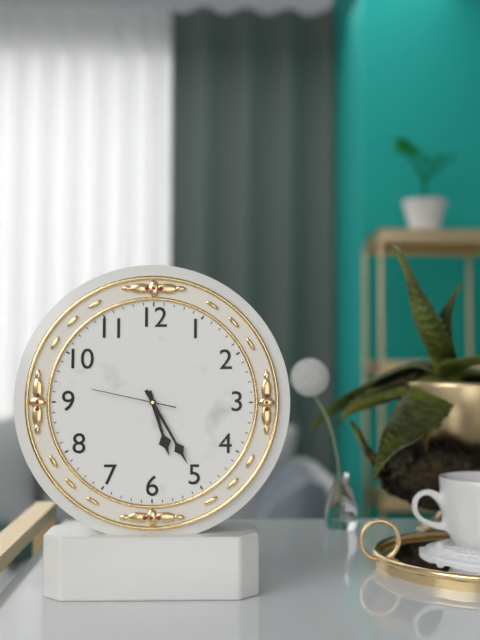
5,25,47
